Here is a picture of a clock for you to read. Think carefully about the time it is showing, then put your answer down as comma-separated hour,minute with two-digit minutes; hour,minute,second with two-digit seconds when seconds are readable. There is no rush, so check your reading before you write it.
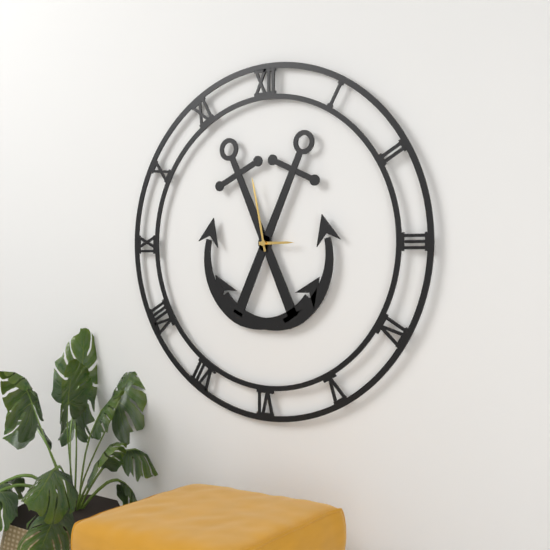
2,58
